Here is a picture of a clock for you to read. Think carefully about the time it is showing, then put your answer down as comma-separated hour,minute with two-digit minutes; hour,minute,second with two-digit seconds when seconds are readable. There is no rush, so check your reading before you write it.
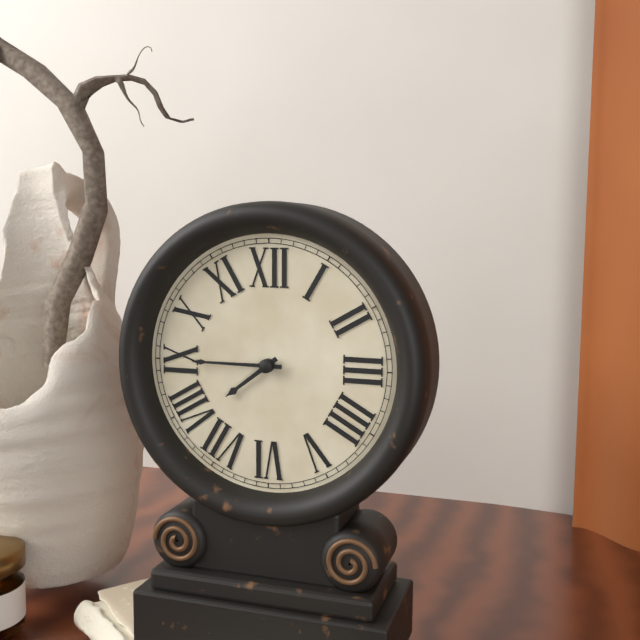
7,45
